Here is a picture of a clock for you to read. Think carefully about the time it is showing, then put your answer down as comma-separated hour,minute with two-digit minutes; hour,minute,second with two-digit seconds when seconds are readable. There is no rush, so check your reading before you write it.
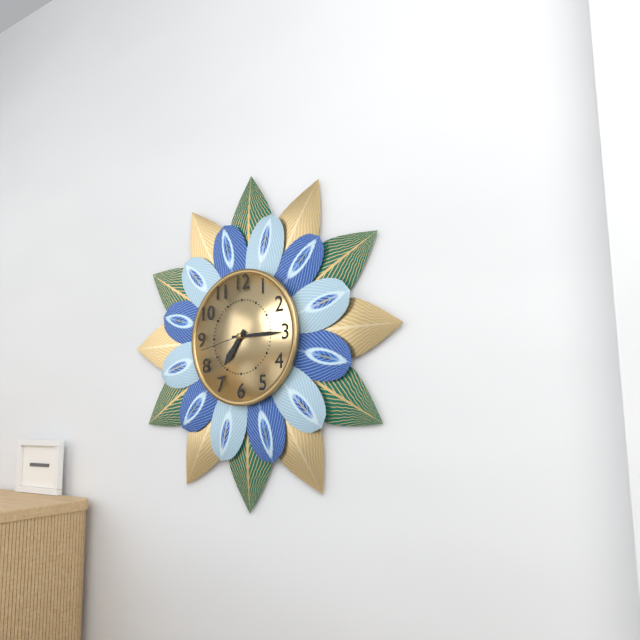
7,15,43
